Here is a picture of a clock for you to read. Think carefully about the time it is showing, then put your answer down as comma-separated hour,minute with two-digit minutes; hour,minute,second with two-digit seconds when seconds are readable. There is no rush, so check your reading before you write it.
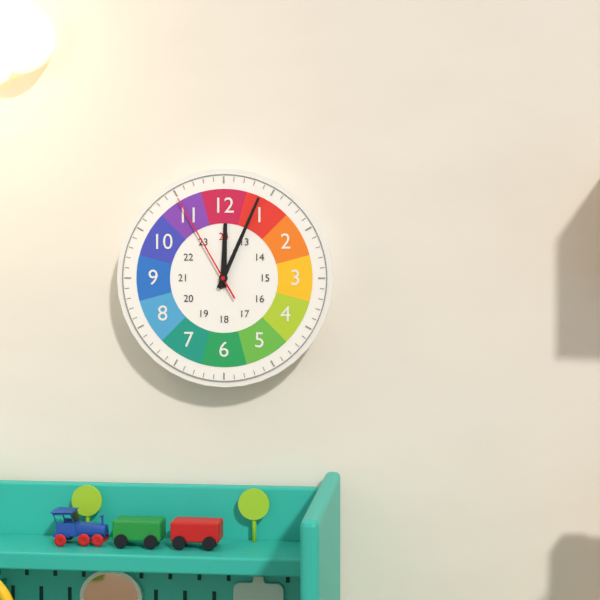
12,04,55
